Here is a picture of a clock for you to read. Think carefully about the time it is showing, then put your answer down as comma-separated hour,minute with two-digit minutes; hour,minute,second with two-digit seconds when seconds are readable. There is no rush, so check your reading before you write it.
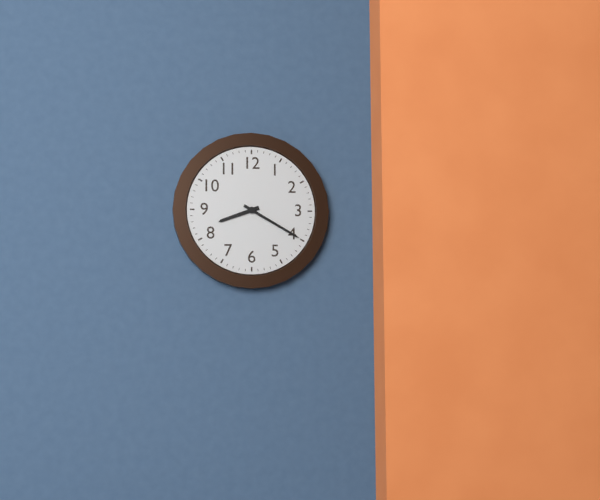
8,20
